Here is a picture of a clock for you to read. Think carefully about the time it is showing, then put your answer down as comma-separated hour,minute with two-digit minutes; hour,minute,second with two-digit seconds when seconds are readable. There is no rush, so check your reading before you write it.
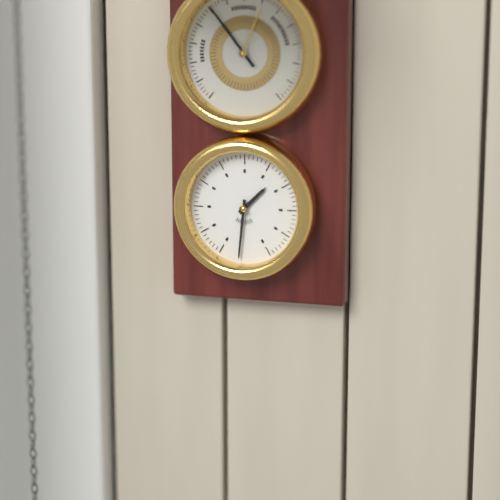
1,31
